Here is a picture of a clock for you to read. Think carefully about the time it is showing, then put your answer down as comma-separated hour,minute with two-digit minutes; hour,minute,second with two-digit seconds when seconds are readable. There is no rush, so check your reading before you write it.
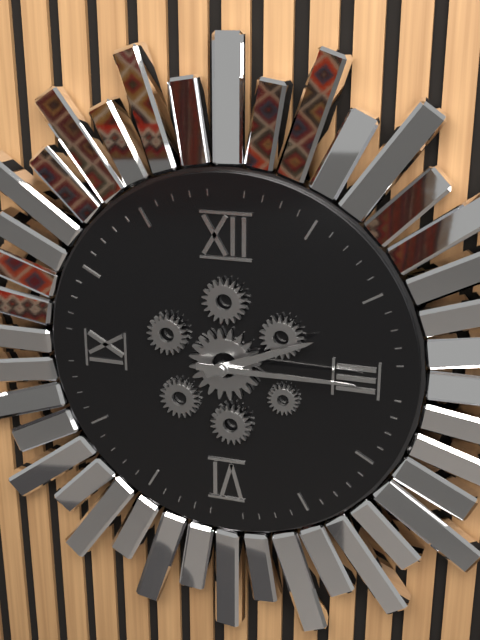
2,15
